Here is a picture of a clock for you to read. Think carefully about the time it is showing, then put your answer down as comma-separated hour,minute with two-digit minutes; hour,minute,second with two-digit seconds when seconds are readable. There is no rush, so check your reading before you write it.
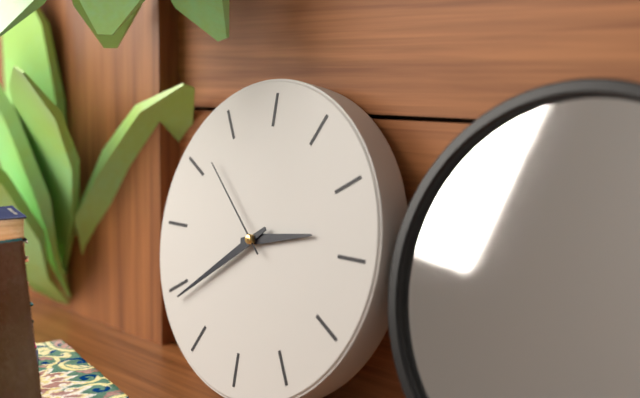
2,39,52
